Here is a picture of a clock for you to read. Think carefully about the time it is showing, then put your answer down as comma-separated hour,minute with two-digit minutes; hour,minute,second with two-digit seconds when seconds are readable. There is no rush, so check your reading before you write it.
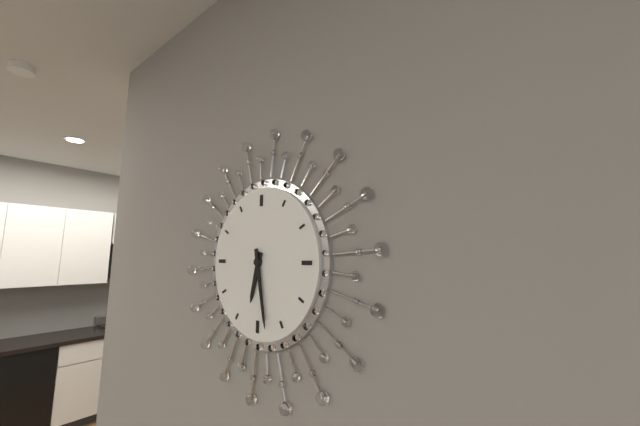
6,28
